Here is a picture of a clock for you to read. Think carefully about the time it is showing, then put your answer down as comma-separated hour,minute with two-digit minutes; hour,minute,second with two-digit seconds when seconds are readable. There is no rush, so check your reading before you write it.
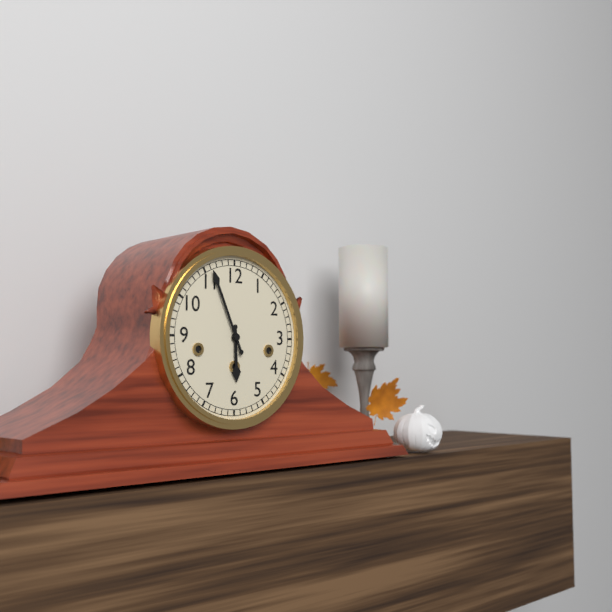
5,56
